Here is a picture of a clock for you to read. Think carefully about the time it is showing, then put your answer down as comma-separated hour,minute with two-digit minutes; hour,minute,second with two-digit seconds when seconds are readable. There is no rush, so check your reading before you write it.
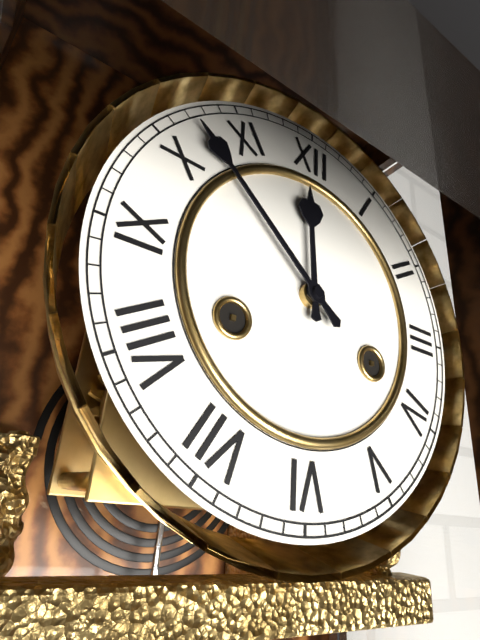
11,52
